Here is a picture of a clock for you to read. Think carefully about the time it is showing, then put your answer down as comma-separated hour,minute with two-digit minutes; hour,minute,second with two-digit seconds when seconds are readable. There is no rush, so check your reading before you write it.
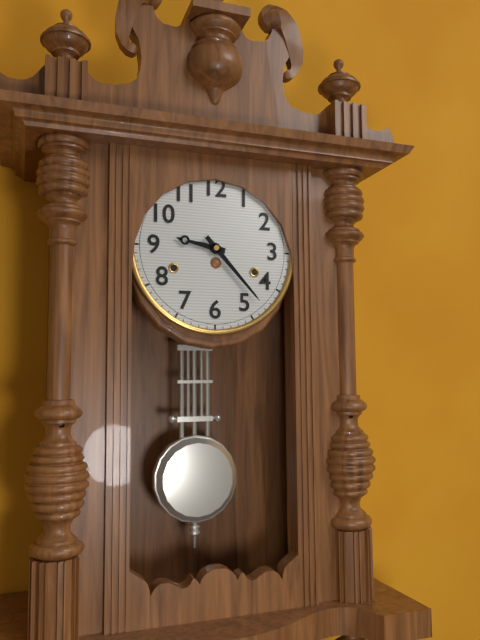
9,23
